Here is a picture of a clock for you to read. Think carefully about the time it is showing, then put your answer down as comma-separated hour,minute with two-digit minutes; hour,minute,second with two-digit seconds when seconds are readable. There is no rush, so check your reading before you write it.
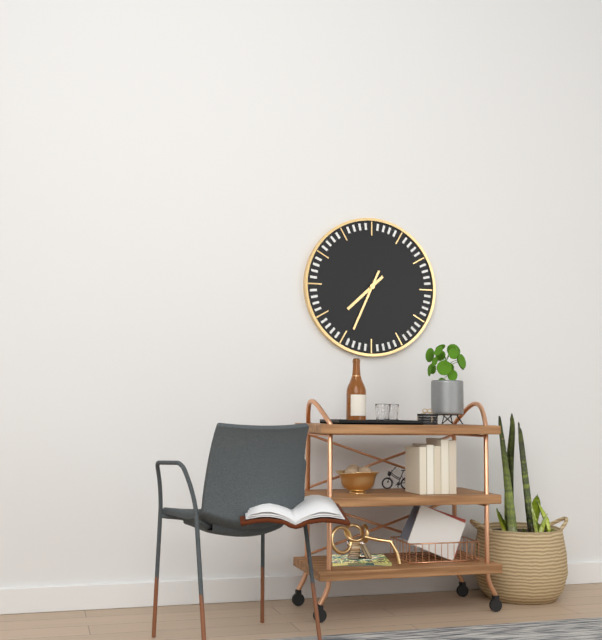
7,34
